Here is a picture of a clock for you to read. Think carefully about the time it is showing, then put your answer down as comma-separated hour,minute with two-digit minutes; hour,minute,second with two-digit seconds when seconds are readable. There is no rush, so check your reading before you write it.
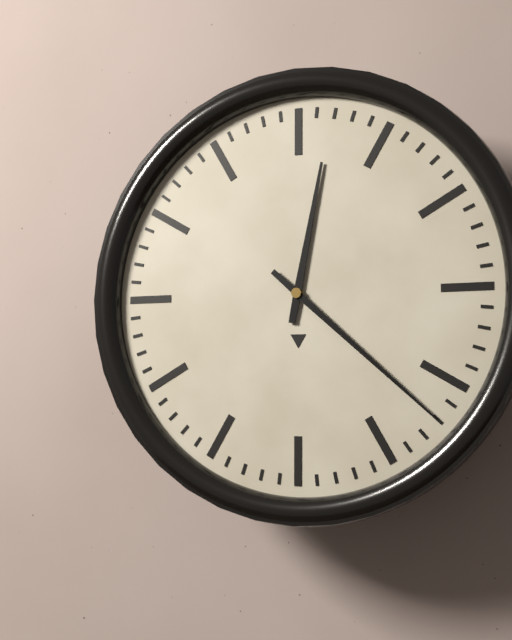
12,22
